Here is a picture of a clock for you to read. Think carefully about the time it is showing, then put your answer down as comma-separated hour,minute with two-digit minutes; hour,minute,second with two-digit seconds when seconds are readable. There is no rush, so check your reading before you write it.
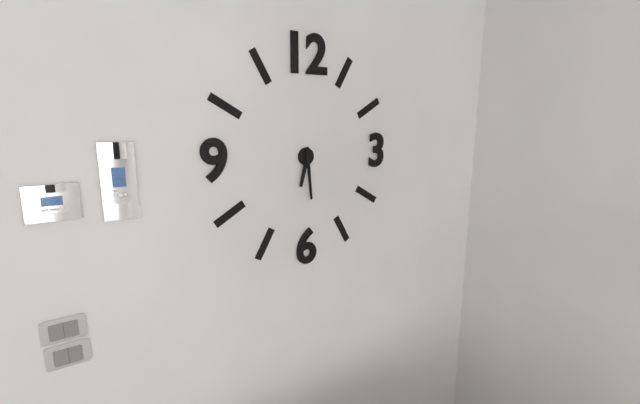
6,29
